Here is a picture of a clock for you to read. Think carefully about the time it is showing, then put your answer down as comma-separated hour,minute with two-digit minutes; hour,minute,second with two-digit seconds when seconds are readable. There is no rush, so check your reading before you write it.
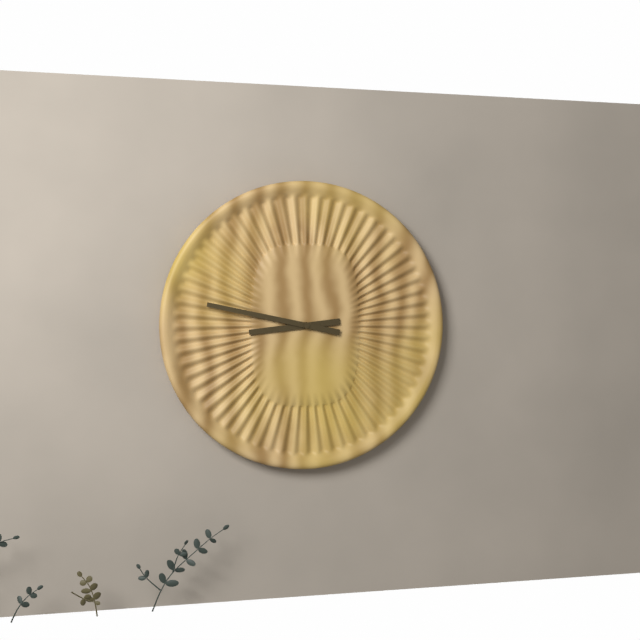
8,47
